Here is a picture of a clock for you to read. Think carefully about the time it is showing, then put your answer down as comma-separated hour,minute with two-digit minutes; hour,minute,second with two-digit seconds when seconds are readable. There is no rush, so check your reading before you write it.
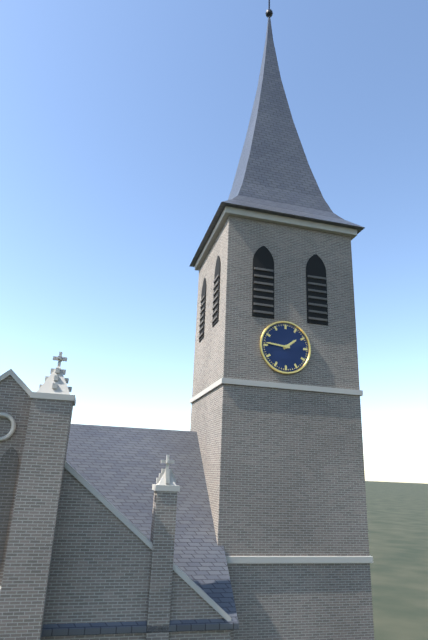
1,46
